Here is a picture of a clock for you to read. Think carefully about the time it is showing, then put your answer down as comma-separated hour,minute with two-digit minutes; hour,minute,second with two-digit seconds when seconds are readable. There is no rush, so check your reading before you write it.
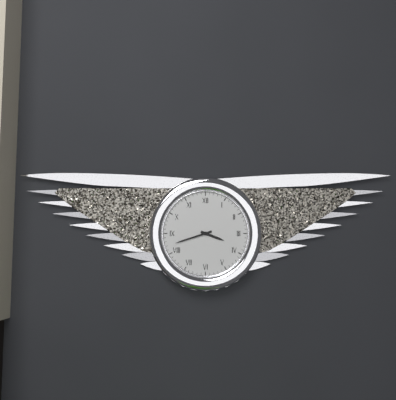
3,42
